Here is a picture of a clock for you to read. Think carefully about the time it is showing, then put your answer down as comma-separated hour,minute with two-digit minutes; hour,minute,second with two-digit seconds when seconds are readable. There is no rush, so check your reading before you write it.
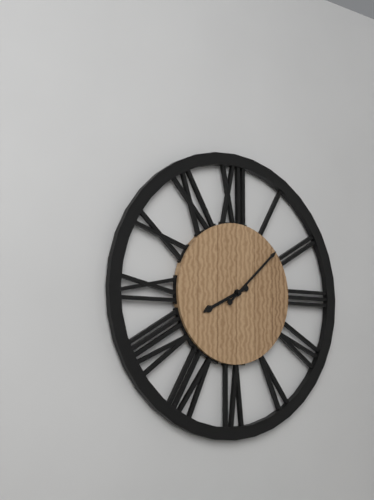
8,08
